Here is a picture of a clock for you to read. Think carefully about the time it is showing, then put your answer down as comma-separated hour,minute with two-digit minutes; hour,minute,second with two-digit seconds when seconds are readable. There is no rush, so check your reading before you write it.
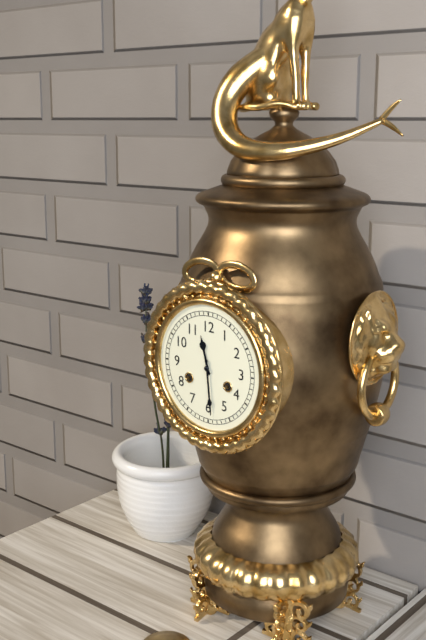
11,29
